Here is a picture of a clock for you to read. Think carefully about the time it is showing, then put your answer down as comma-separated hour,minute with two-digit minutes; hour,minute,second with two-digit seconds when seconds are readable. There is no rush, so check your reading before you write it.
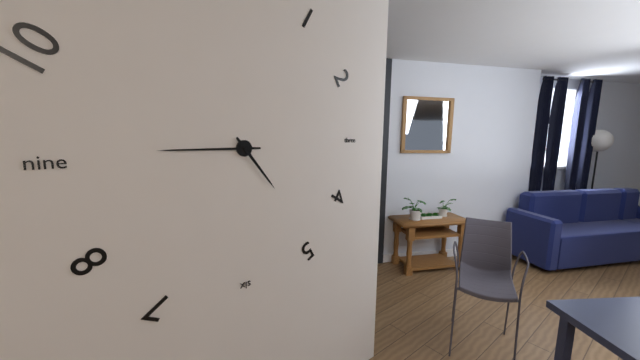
4,45
